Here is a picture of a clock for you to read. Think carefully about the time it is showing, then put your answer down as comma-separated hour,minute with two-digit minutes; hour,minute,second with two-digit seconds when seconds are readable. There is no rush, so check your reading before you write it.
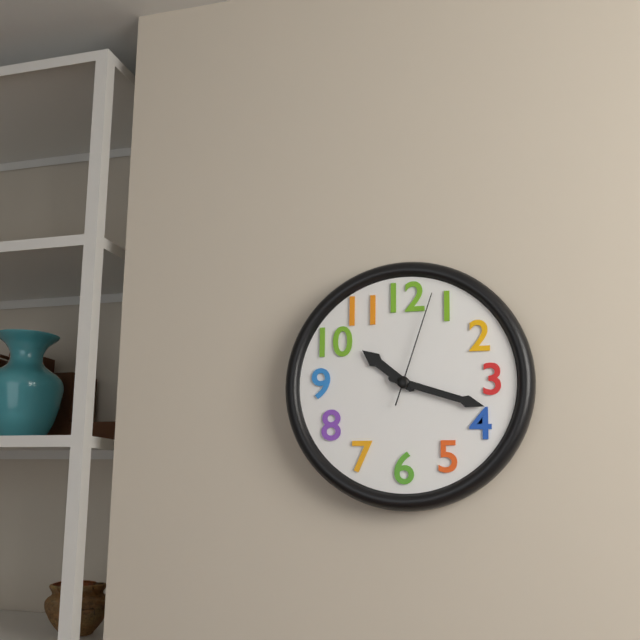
10,18,03
